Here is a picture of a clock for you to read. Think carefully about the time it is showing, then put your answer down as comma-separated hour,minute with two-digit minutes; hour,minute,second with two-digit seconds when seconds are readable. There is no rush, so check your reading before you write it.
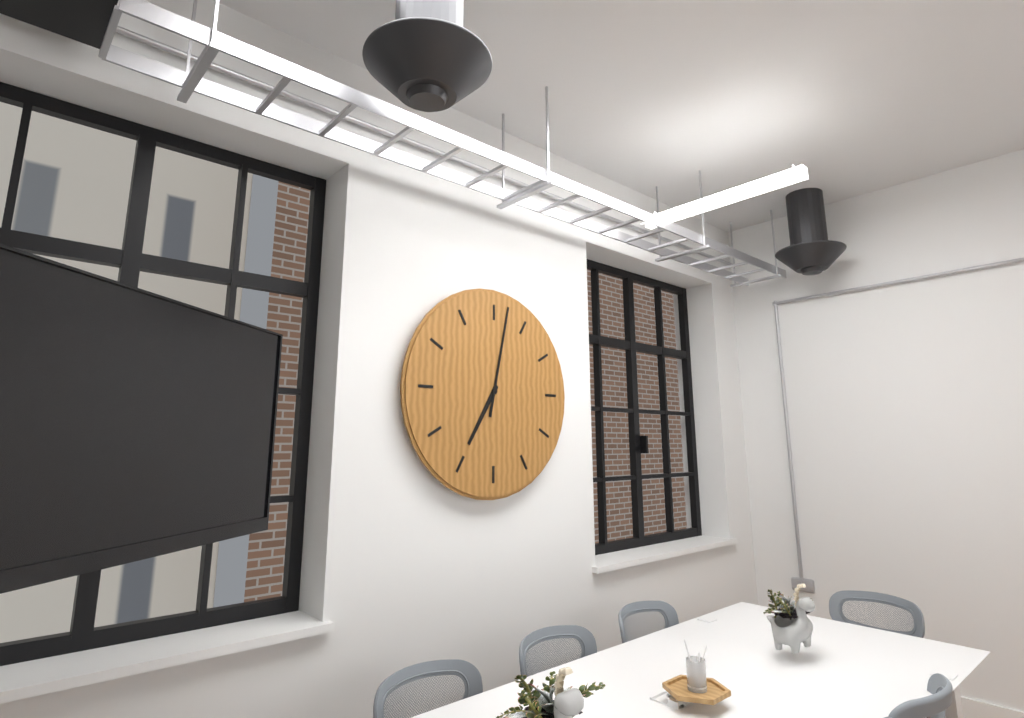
7,02
